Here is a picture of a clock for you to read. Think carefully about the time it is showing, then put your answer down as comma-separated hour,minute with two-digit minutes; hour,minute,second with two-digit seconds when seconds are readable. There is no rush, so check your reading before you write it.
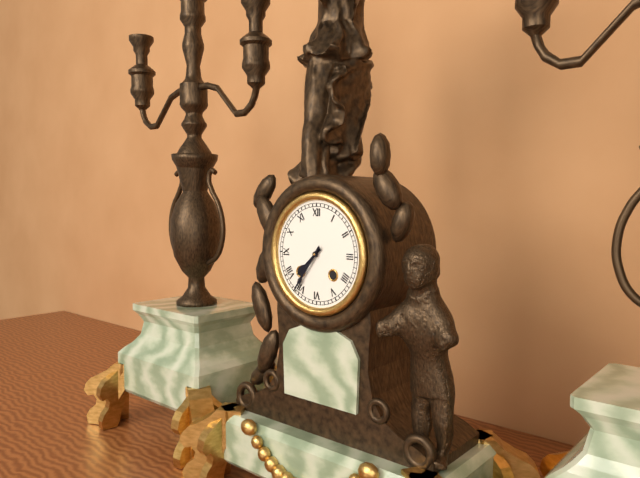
7,36
